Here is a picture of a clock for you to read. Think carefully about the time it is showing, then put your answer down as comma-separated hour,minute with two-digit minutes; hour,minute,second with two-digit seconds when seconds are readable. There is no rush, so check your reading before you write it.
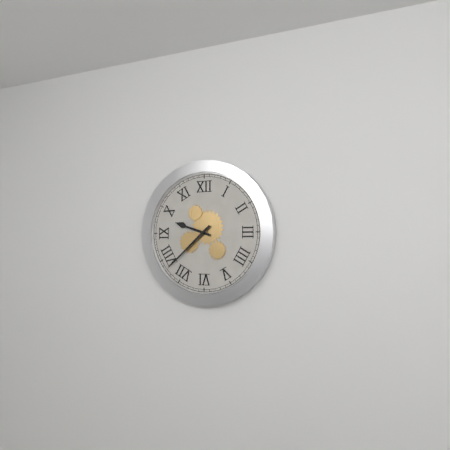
9,38
